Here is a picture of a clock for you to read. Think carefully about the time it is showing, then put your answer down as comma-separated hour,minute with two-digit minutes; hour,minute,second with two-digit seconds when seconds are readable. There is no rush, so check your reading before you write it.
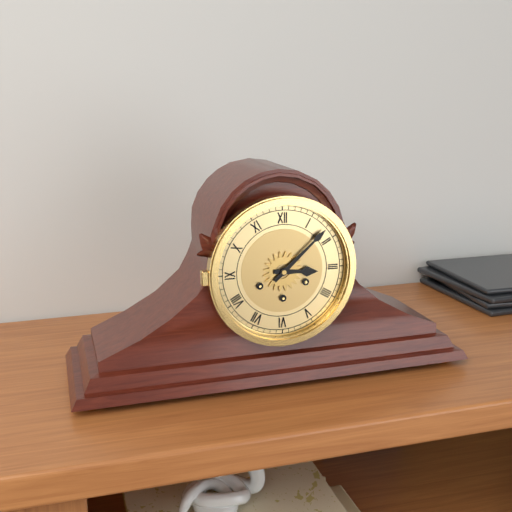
3,08
